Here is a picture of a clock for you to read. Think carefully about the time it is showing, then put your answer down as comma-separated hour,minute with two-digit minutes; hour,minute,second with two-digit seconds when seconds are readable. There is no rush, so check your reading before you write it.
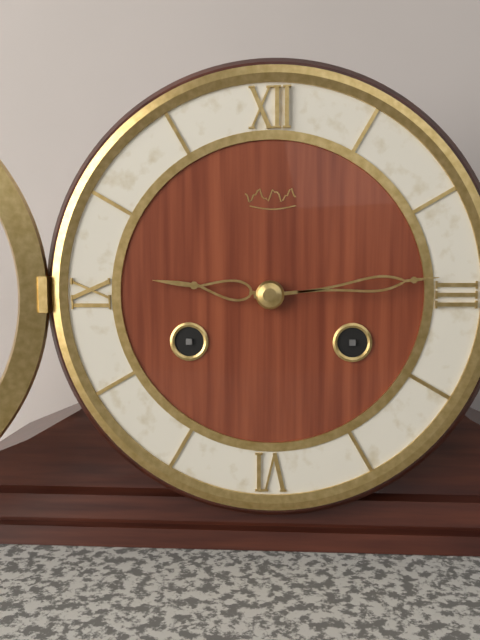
9,14
